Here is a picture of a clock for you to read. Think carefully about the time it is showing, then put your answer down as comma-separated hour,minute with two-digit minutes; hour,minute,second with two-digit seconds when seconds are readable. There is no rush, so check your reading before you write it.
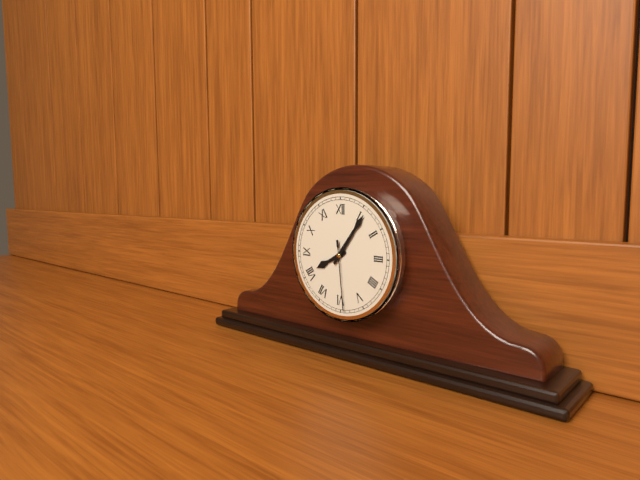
8,06,29
